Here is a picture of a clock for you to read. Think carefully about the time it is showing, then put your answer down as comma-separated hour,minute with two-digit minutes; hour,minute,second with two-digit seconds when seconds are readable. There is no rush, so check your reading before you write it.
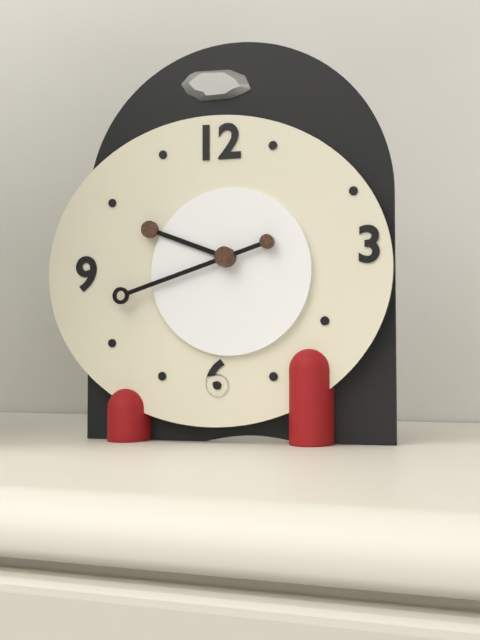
9,42
